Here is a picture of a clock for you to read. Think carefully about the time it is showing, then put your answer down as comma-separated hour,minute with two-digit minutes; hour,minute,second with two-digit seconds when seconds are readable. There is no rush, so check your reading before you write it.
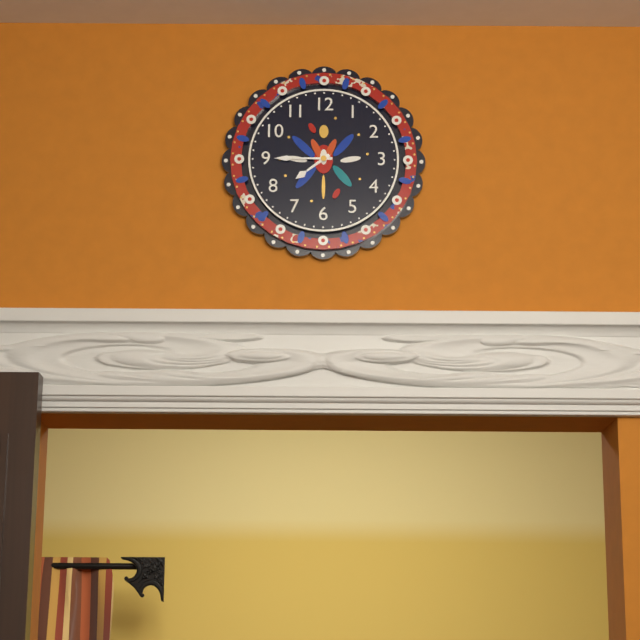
7,45
